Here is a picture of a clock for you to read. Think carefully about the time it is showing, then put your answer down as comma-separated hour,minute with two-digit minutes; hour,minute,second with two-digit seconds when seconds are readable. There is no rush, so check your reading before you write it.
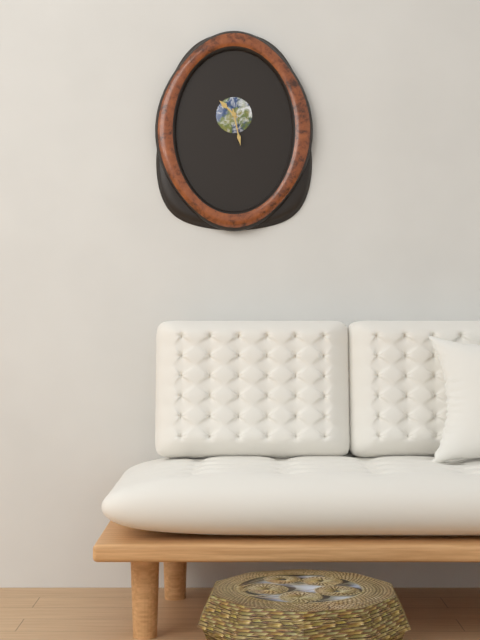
10,28
